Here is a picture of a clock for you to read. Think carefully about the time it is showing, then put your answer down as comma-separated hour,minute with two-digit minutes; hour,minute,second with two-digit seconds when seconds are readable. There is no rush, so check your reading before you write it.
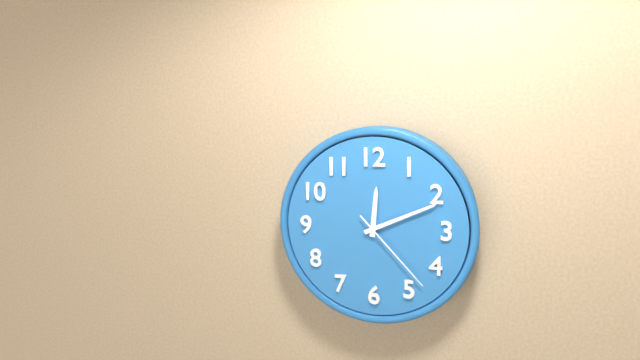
12,11,23
